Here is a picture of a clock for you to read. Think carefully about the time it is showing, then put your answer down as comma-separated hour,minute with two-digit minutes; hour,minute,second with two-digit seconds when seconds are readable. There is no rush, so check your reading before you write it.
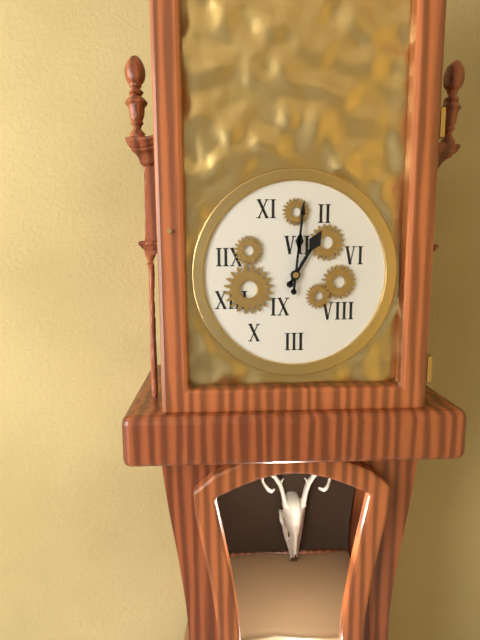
1,01
